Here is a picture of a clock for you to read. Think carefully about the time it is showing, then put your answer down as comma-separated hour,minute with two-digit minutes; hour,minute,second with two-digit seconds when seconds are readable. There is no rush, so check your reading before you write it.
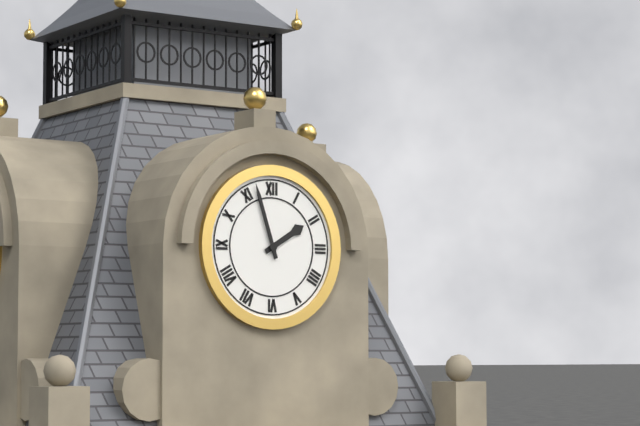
1,57
